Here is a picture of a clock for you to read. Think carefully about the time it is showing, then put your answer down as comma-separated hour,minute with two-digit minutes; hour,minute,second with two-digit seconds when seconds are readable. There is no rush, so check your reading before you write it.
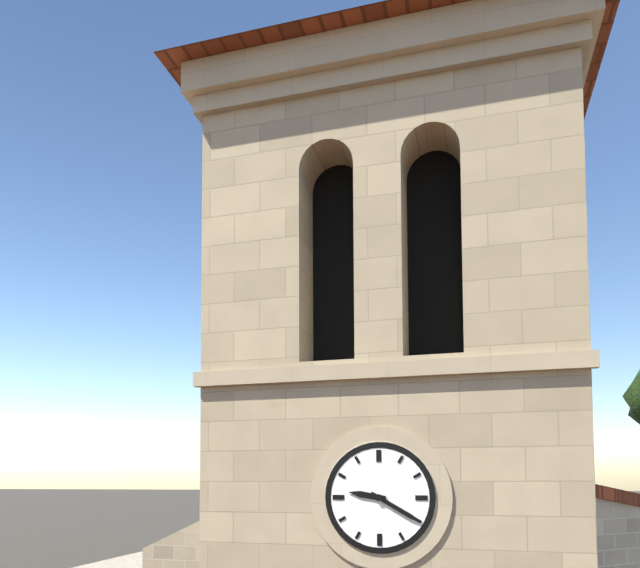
9,20
